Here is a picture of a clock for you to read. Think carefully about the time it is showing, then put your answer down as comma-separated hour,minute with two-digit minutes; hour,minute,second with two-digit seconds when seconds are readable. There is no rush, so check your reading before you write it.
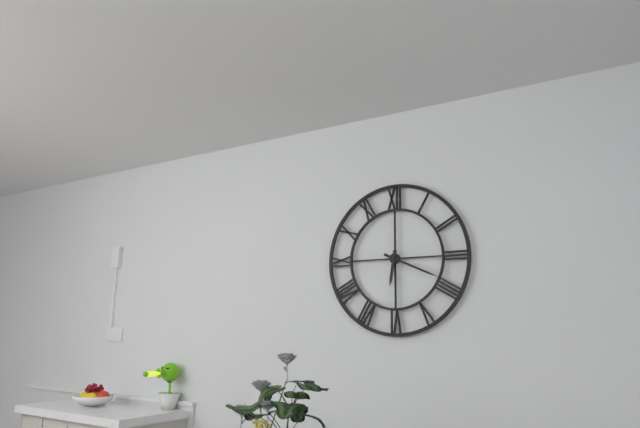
6,19
